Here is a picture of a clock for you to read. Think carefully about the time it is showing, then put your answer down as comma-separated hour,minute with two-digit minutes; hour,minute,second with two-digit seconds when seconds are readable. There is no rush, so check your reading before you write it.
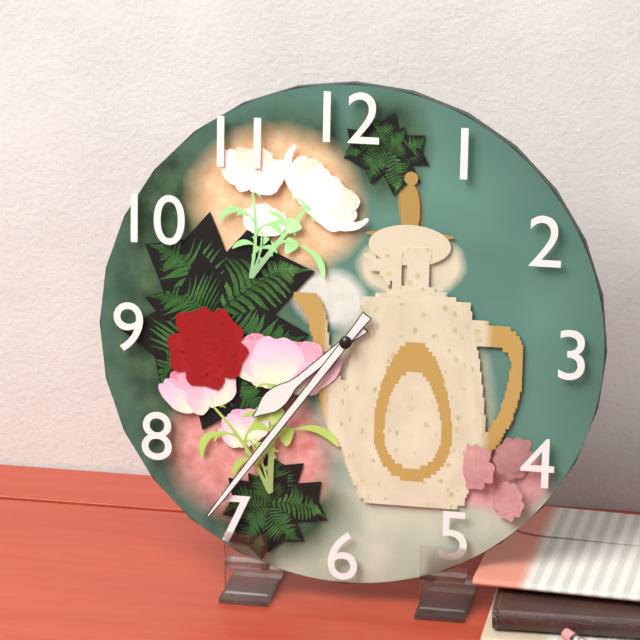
7,36
